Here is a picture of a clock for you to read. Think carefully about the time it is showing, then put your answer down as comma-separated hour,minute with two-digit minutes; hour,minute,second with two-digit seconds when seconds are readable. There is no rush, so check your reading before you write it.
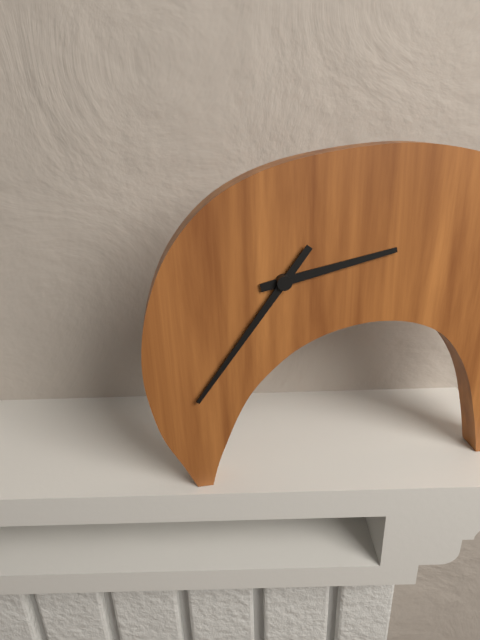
2,36
